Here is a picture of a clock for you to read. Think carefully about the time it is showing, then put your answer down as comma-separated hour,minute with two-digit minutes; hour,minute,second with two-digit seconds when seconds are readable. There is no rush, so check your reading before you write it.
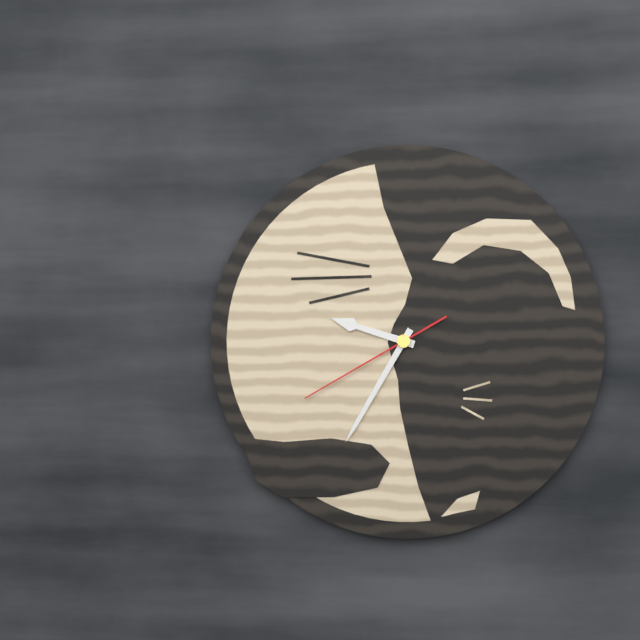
9,35,40
